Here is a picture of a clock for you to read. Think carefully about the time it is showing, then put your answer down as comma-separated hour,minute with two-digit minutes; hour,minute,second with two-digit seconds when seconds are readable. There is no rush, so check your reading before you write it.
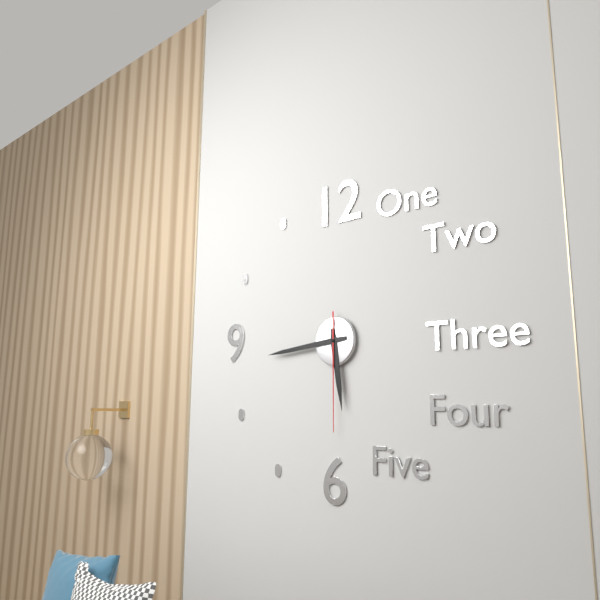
5,44,30
